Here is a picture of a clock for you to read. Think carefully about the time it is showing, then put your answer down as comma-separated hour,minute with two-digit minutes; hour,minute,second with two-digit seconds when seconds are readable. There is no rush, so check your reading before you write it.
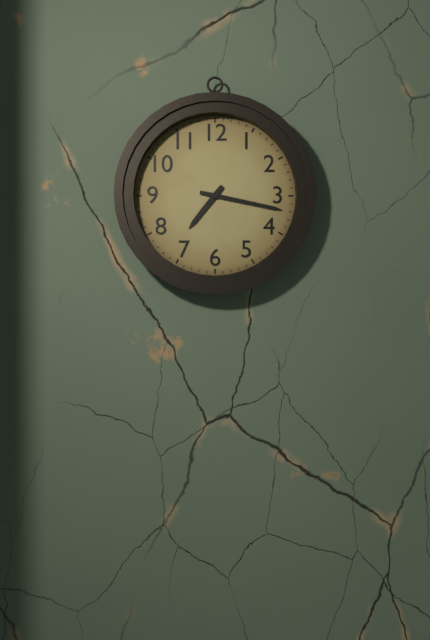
7,17
